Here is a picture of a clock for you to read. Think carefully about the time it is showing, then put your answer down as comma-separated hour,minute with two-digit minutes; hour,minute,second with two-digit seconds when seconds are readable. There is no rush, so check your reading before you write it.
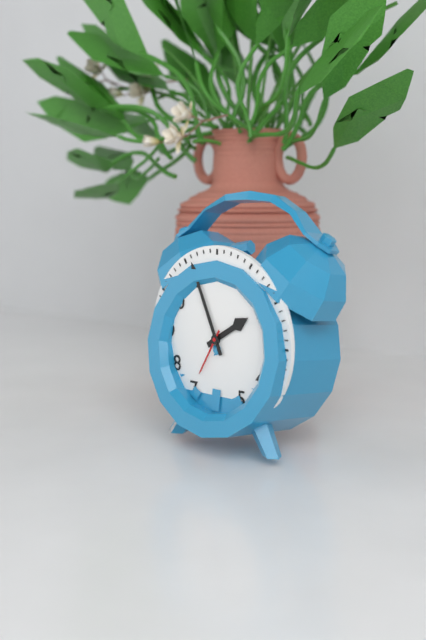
1,56
